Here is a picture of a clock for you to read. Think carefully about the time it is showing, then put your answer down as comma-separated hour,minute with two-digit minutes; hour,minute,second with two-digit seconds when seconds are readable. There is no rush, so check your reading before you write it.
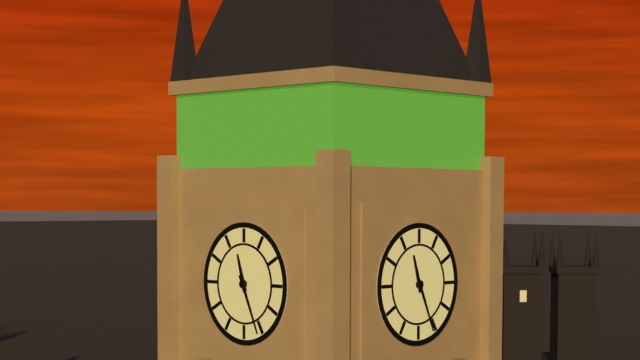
11,26
